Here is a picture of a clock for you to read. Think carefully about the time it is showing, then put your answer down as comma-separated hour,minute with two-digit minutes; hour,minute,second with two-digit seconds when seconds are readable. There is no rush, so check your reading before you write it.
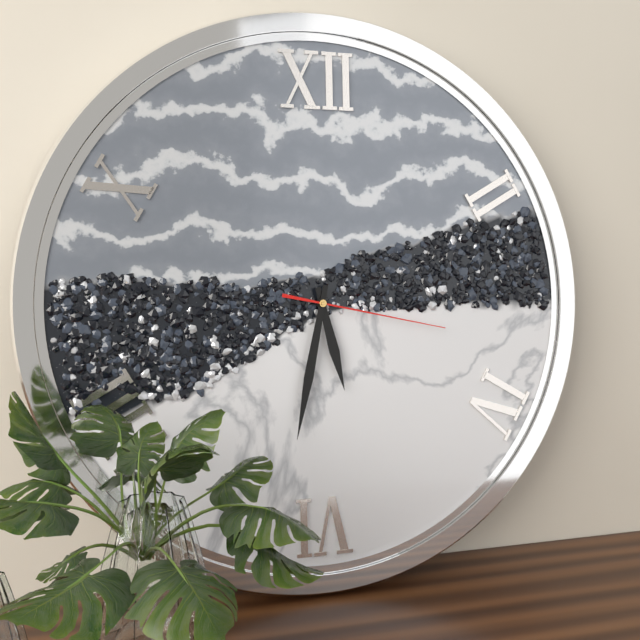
5,32,17
